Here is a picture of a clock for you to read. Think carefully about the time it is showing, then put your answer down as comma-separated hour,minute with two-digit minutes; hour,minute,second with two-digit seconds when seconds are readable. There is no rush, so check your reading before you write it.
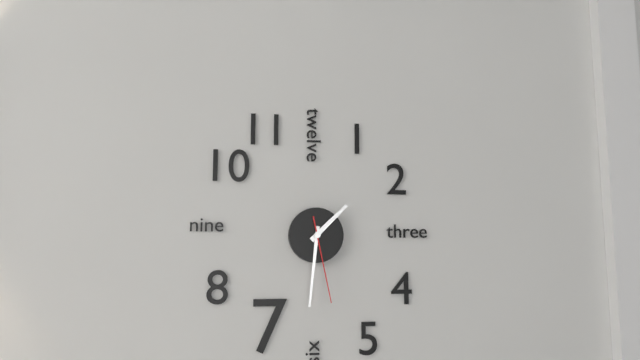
1,31,28
